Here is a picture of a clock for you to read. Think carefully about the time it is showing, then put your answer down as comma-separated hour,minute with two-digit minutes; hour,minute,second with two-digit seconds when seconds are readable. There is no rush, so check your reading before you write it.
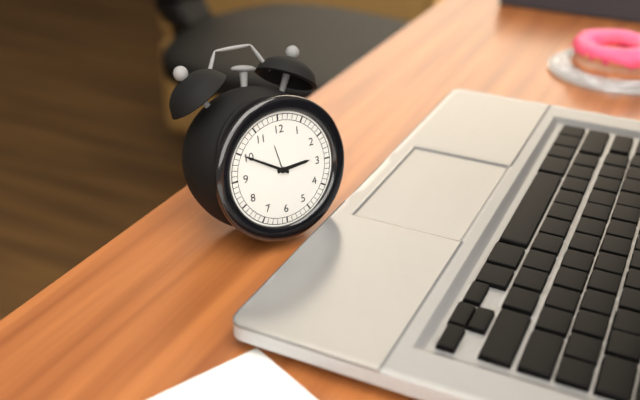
2,50
